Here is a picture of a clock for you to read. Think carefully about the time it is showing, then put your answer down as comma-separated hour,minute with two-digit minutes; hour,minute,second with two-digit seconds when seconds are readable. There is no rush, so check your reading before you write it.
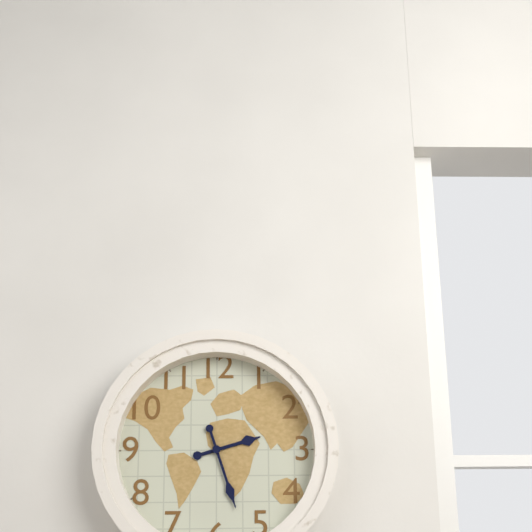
2,27
